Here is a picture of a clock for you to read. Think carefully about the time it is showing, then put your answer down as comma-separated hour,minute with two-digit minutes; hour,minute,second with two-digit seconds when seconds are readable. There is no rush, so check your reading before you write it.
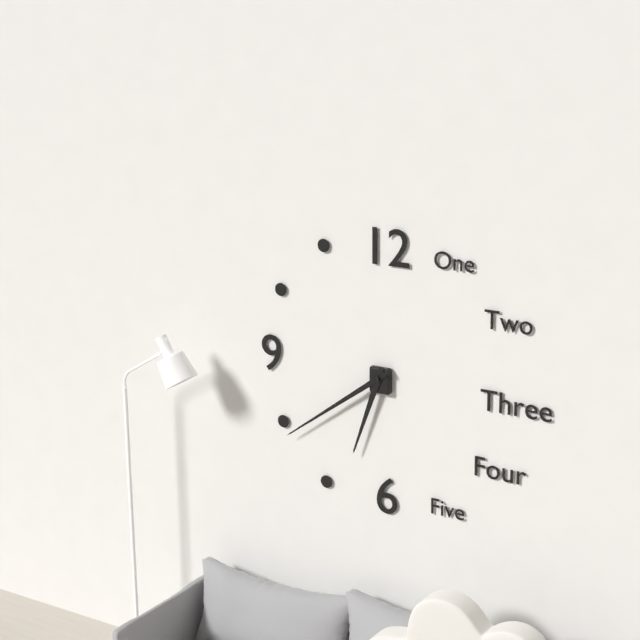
6,39
